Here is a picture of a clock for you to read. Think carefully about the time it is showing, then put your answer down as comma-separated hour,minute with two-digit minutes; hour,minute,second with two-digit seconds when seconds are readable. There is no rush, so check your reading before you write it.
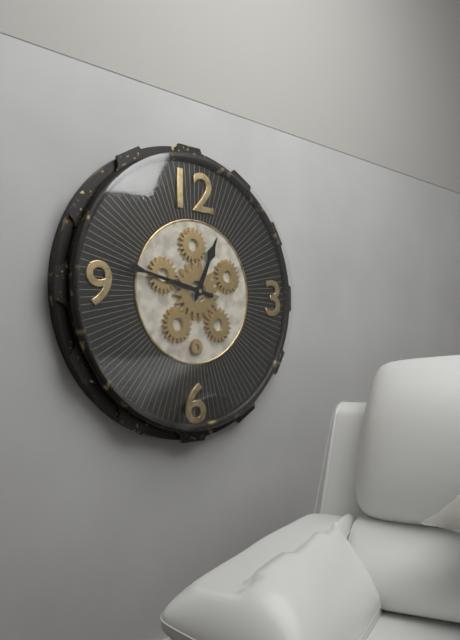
12,47
